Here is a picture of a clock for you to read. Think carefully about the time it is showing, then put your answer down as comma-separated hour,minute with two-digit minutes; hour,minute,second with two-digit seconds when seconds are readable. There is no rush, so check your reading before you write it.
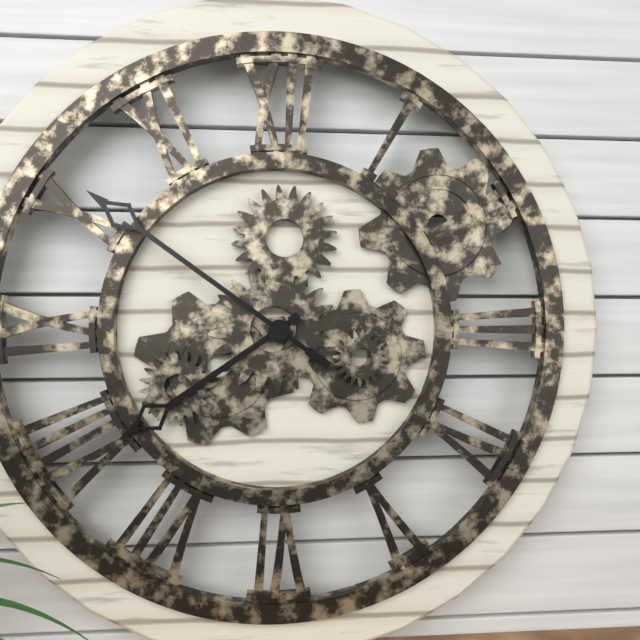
7,51
